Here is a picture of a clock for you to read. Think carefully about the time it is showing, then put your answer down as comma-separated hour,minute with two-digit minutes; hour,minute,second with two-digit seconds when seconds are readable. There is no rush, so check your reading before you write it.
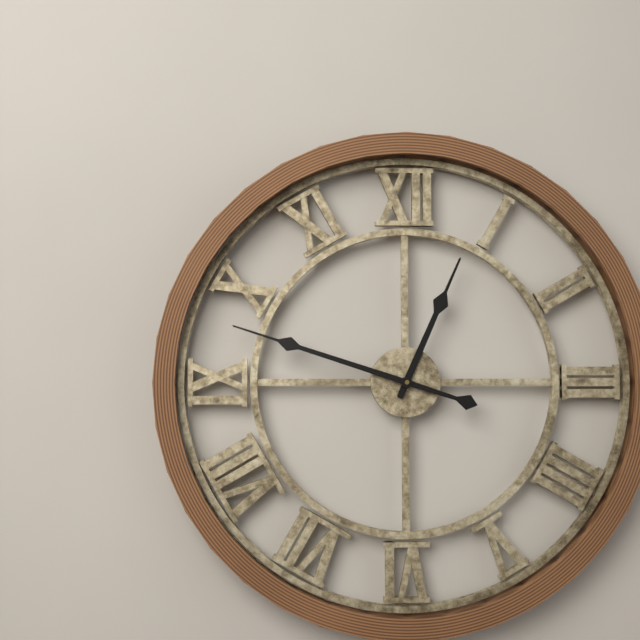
12,48
